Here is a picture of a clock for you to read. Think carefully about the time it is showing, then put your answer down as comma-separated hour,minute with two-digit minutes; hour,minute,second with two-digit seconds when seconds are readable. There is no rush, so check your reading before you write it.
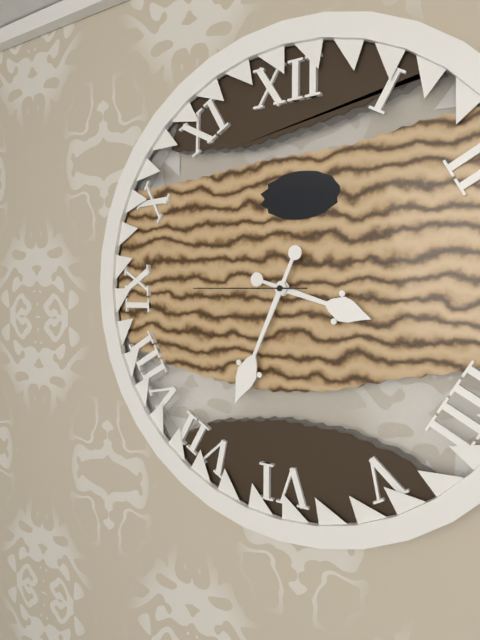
3,34,45
